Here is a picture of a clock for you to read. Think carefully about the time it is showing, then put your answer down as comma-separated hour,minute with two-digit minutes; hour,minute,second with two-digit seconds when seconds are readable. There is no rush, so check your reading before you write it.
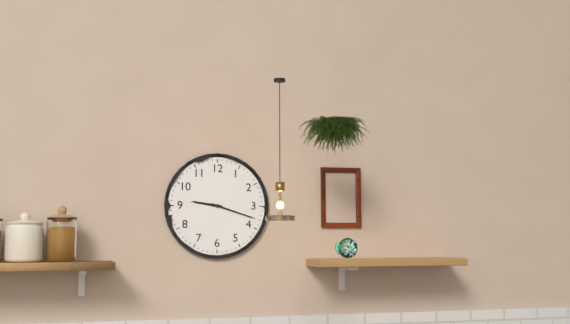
9,18
